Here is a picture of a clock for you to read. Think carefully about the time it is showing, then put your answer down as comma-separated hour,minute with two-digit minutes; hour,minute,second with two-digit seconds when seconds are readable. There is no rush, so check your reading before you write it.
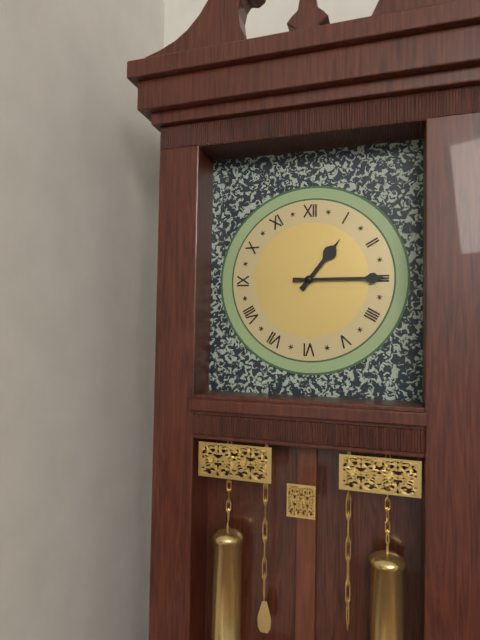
1,15
